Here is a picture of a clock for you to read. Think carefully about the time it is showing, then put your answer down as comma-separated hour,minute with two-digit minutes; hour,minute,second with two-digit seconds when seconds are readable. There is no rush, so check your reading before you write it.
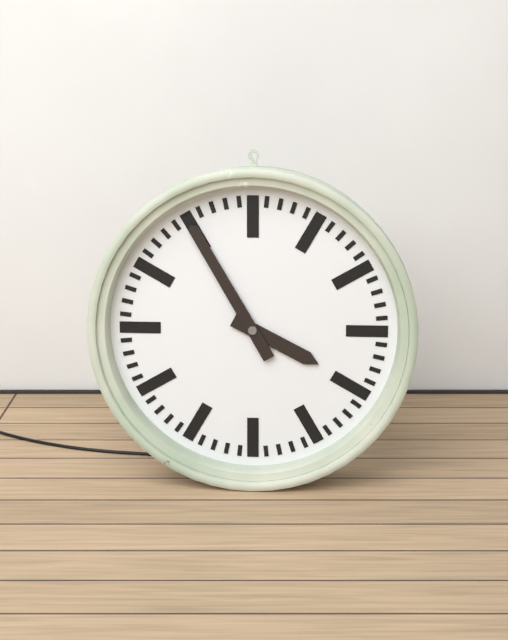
3,55
